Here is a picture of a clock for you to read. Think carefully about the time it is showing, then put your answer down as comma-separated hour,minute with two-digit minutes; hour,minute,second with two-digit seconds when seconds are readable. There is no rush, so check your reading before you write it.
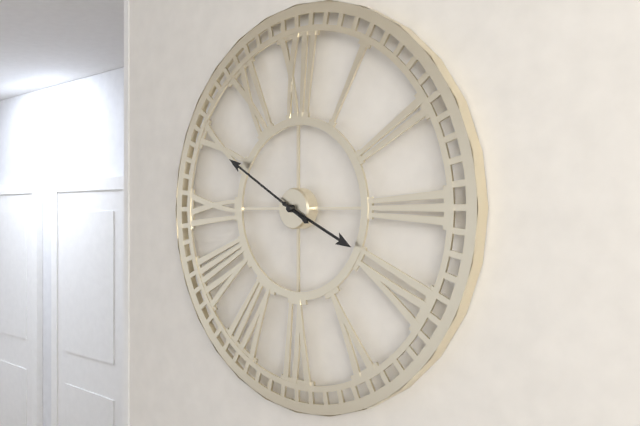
3,50
